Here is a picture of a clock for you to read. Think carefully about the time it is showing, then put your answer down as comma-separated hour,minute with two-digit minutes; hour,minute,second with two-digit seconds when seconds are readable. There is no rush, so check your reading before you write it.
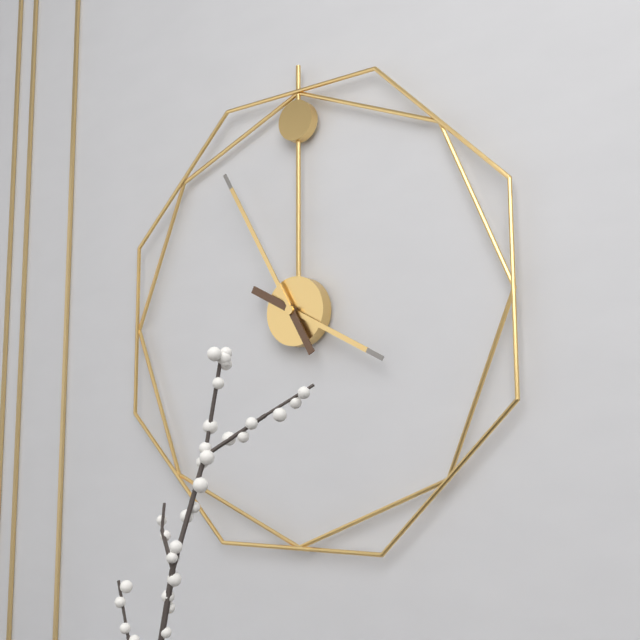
3,55
